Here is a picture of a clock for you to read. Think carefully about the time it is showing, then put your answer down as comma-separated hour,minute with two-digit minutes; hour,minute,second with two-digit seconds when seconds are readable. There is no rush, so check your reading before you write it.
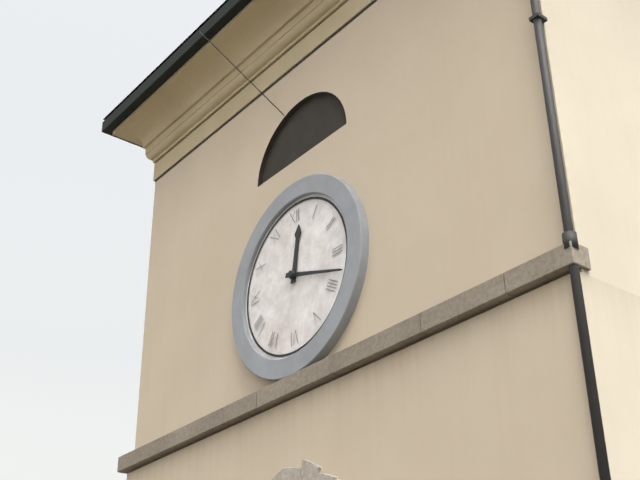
12,18
